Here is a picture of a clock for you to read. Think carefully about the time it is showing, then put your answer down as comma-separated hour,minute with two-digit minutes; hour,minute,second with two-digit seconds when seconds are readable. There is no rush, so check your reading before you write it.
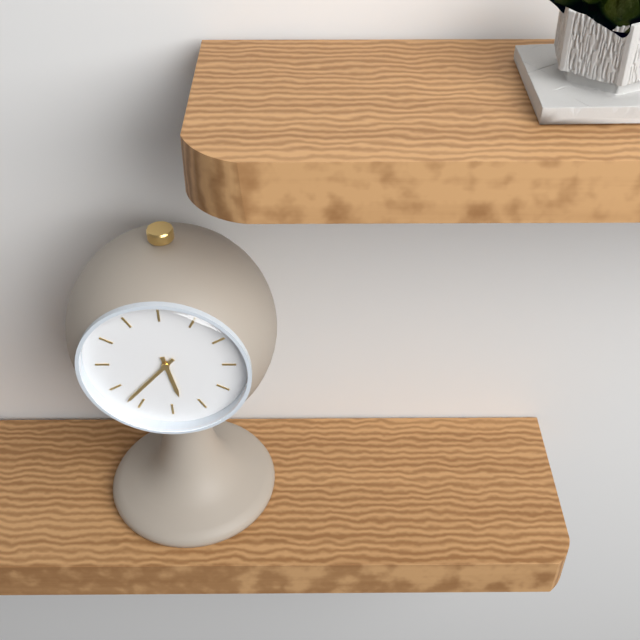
5,37
